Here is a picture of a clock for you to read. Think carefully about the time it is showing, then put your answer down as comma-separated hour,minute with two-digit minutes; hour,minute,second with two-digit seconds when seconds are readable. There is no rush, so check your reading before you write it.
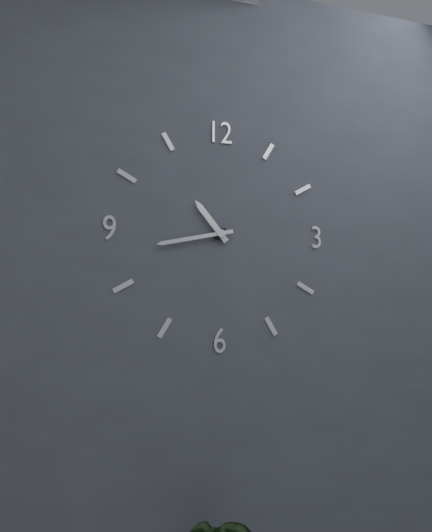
10,43
